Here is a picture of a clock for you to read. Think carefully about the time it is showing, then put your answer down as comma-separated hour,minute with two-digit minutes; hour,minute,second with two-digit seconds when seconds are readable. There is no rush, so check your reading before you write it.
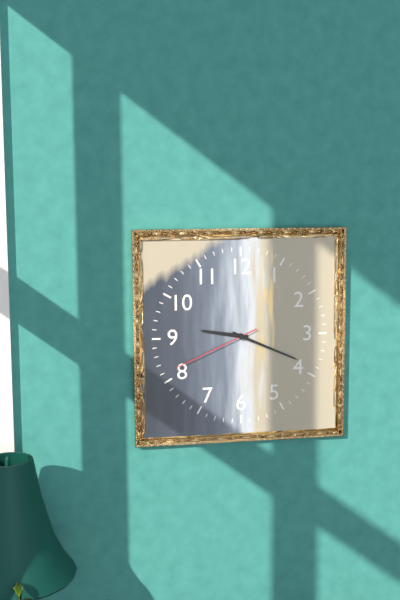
9,19,41
